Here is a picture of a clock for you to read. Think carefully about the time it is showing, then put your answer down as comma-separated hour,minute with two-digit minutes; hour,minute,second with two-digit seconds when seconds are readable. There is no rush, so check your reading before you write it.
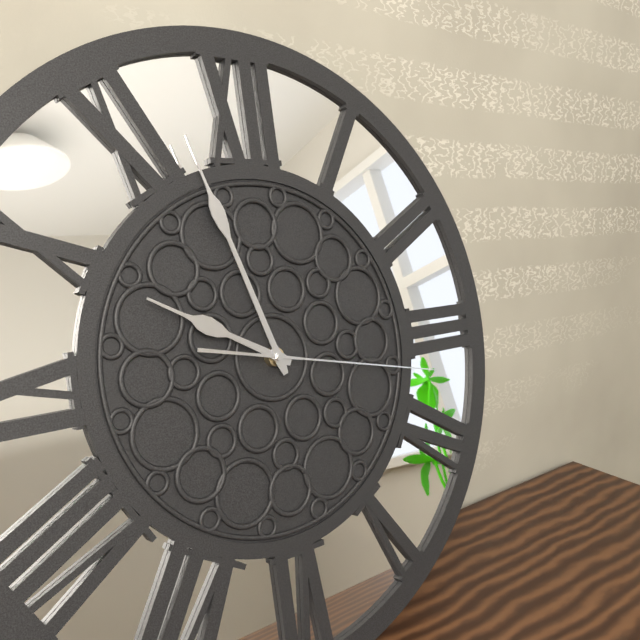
9,57,17
